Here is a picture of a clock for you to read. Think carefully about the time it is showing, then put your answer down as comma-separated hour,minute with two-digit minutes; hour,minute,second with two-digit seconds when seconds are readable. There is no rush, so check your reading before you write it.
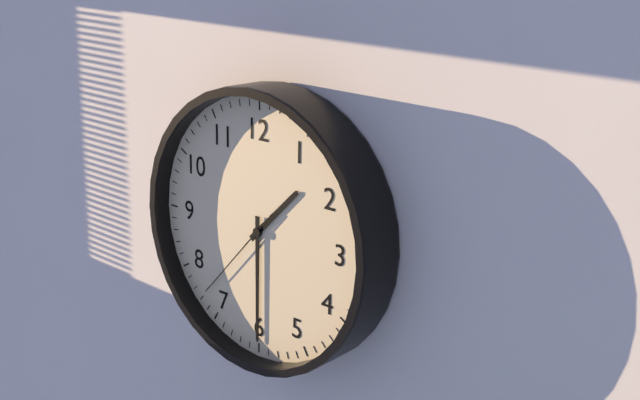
1,30,37
